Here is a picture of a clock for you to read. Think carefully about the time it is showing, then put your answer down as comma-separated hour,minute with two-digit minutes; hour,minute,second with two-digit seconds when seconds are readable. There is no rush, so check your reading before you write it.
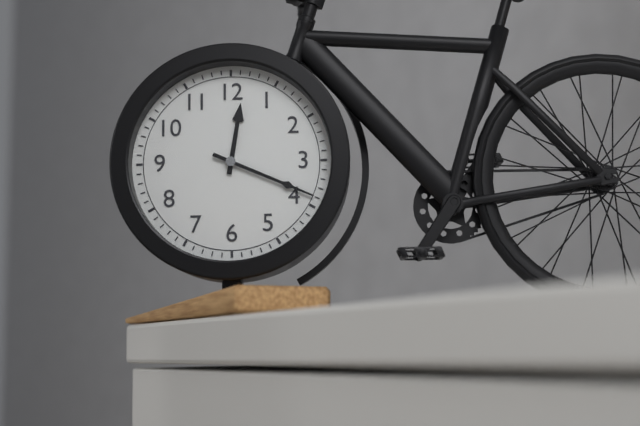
12,19
